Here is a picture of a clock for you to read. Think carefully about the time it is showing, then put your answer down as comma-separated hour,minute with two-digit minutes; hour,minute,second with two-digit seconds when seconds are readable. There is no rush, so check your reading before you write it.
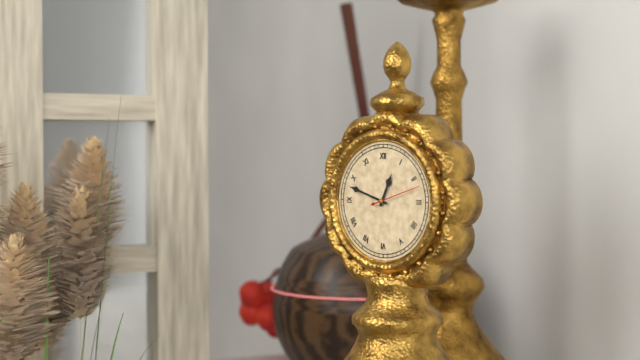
12,48,12
